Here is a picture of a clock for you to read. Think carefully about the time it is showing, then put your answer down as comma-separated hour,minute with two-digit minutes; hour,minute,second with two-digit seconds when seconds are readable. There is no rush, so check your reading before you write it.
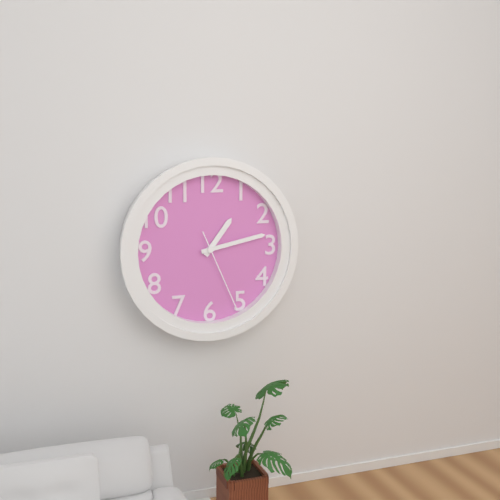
1,13,26
